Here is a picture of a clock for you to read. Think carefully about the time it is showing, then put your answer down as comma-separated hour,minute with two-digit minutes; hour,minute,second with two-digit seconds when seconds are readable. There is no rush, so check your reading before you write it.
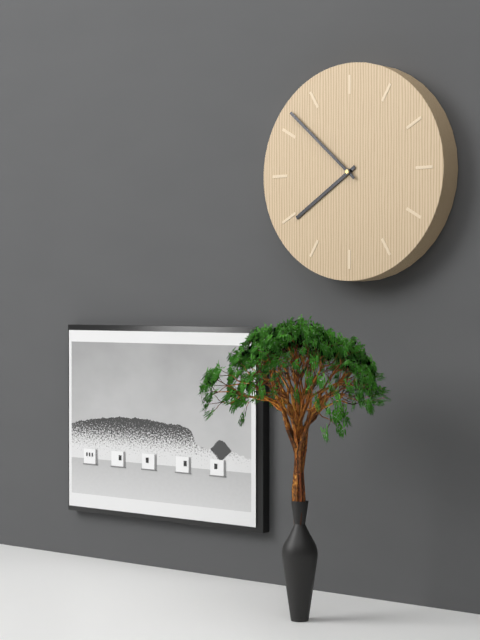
7,52
